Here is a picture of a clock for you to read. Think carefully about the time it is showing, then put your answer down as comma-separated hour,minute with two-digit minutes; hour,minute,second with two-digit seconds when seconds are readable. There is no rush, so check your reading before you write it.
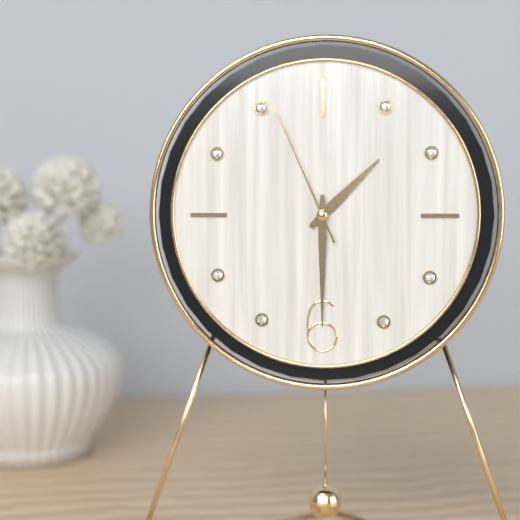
1,30,56
